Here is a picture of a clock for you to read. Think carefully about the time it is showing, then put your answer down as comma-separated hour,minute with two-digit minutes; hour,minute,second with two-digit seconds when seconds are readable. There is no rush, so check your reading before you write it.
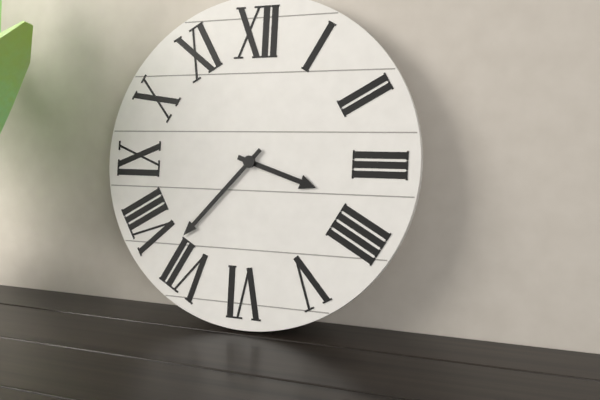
3,37
